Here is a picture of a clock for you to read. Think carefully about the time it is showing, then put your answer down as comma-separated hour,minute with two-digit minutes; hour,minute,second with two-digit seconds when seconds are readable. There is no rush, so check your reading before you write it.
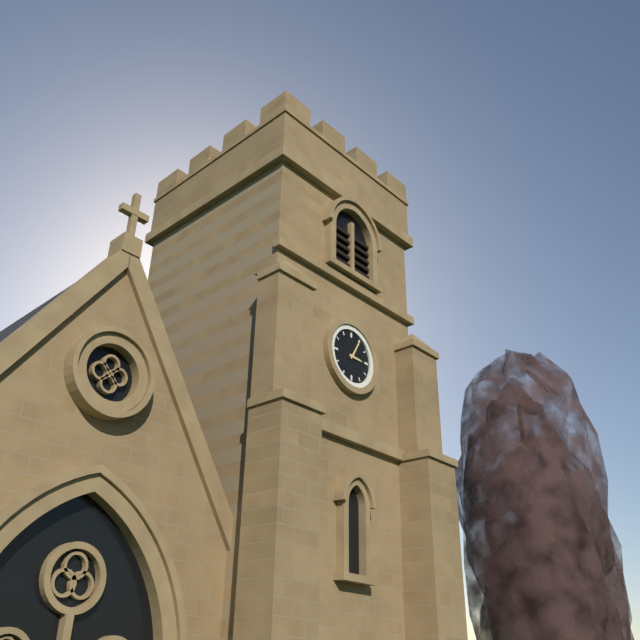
3,05
